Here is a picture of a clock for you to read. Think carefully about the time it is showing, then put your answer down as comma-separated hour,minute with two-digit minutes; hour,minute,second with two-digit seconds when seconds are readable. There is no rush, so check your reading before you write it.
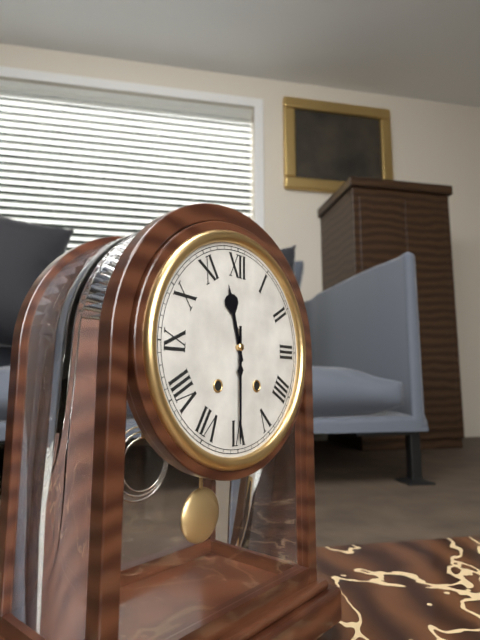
11,30
